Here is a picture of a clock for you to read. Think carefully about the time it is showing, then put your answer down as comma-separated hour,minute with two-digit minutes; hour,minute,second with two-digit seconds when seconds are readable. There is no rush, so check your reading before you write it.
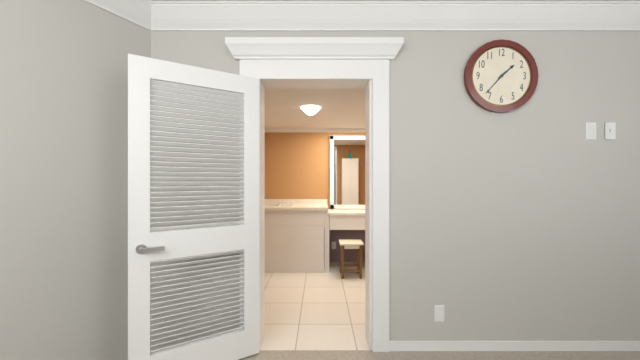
1,37
